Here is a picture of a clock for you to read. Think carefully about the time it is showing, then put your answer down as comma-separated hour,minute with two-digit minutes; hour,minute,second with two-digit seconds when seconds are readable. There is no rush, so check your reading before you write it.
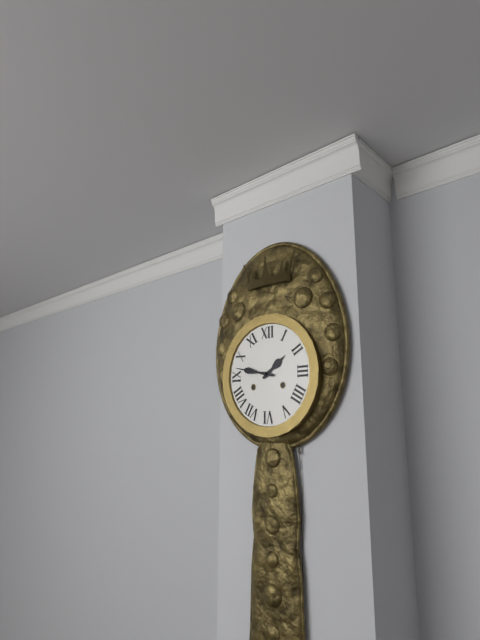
1,47
